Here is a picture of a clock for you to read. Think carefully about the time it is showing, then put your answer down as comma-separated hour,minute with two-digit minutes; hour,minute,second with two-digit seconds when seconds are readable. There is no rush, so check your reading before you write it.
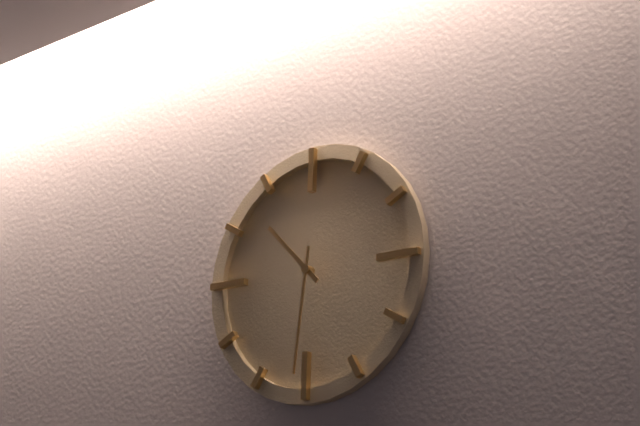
10,31
